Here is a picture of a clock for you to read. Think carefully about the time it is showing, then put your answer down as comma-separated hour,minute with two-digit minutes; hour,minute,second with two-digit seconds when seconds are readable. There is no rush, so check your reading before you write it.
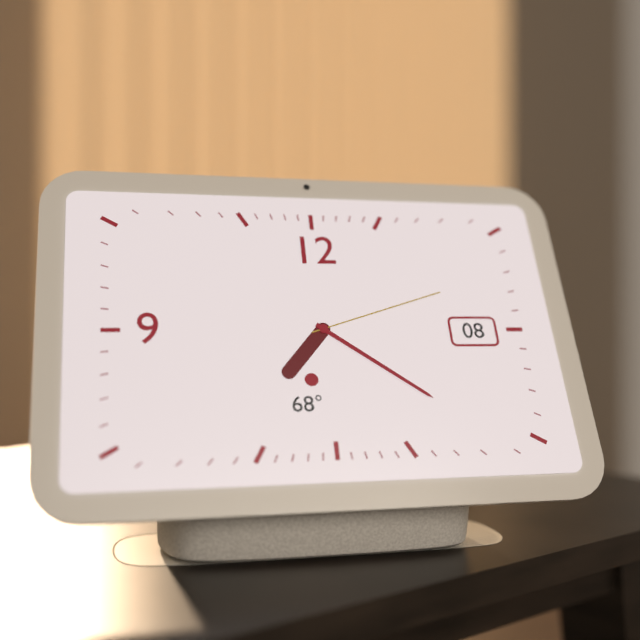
7,21,12
